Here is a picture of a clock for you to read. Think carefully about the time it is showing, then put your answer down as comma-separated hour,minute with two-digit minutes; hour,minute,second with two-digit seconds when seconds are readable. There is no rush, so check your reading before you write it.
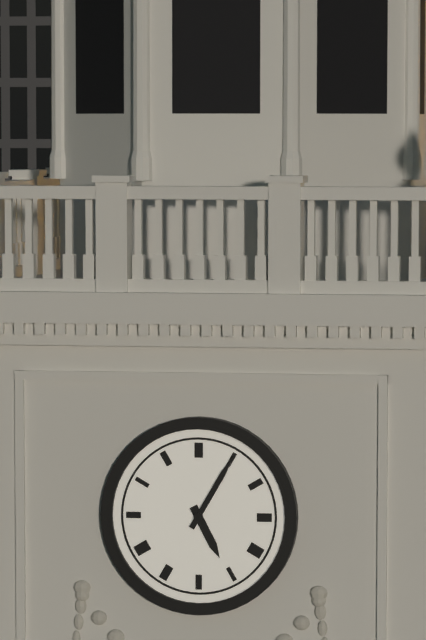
5,05
